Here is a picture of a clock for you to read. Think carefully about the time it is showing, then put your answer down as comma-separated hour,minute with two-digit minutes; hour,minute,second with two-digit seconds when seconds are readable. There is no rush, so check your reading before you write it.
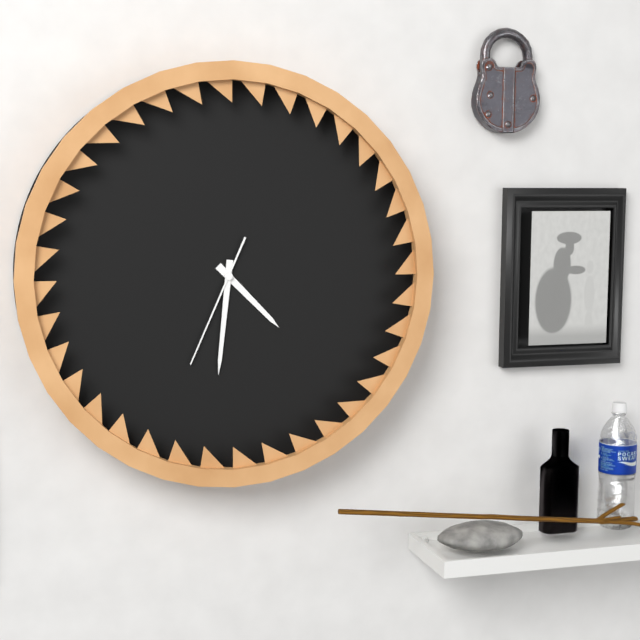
4,31,34
